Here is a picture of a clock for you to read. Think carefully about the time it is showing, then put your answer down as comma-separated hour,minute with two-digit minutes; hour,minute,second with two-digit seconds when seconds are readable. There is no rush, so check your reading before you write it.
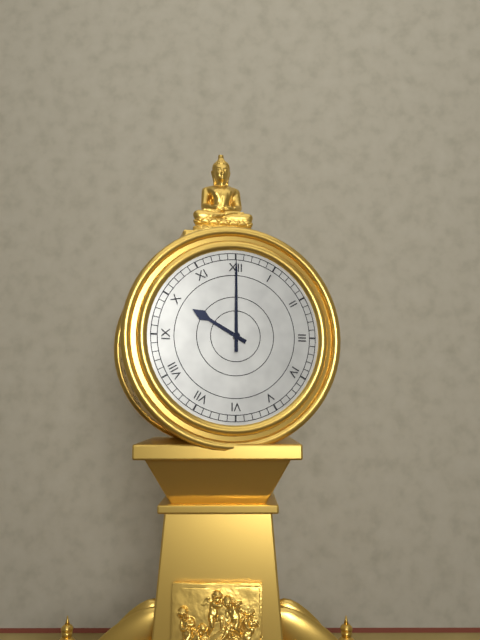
10,00
